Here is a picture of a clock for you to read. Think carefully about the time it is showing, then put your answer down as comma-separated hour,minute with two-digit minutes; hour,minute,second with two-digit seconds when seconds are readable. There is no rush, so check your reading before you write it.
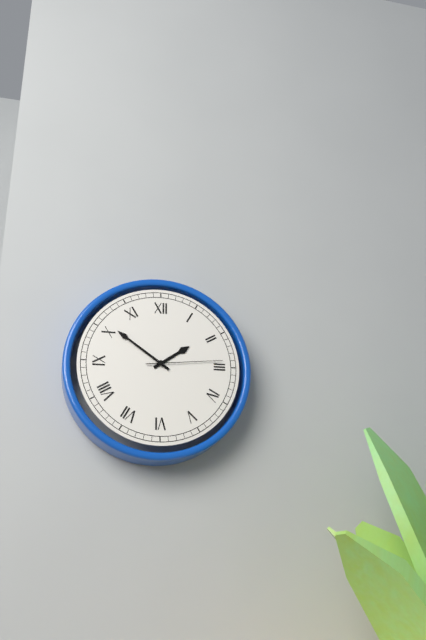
1,51,14
